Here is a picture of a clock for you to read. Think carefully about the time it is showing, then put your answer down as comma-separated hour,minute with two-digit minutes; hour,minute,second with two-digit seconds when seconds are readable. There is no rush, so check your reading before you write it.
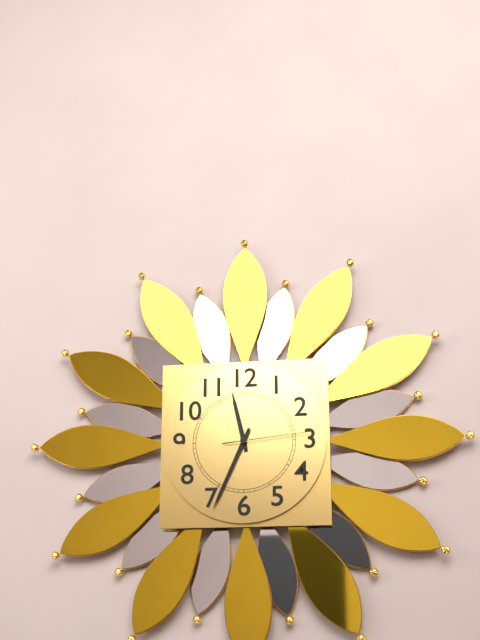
11,34,14
